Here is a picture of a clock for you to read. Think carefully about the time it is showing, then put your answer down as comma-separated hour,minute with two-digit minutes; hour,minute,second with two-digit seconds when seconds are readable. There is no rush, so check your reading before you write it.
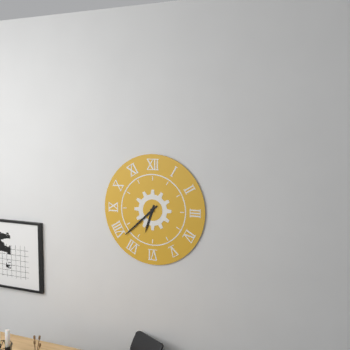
6,38
